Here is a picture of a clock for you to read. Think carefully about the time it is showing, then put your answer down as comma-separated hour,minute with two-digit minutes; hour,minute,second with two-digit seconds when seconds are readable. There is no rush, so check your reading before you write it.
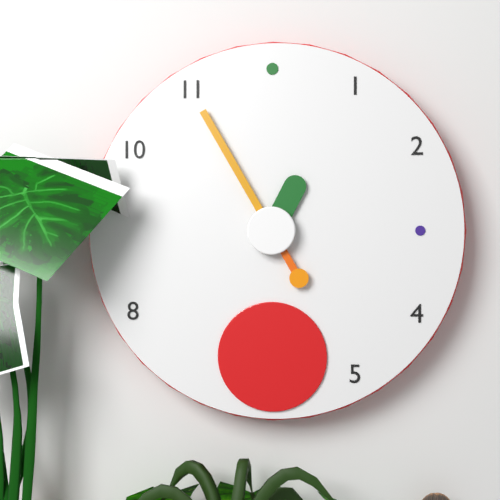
12,55
